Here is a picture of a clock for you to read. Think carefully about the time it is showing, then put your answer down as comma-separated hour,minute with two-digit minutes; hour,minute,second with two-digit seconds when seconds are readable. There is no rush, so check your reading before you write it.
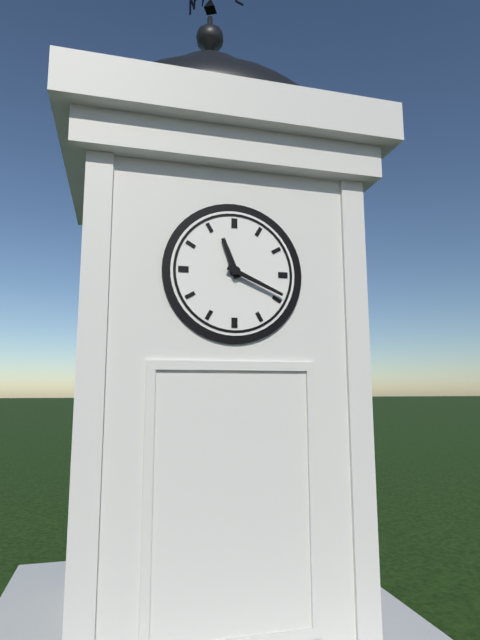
11,19
